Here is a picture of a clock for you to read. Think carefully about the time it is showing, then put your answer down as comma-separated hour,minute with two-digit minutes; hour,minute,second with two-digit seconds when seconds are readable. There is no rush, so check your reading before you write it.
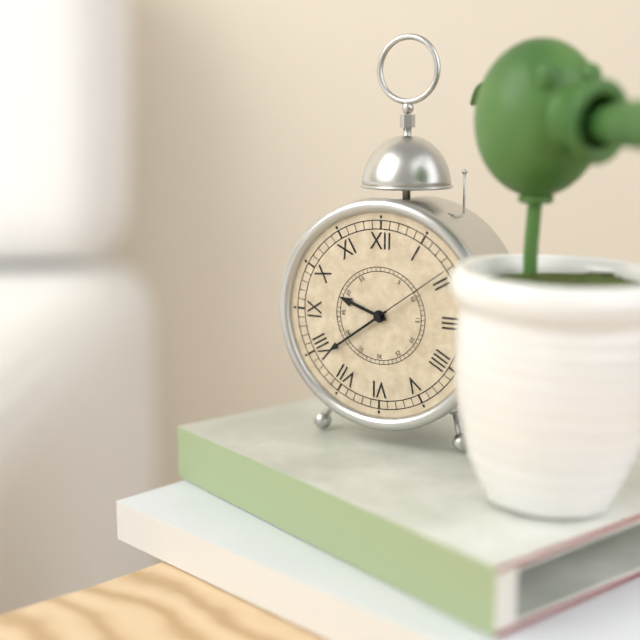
9,39,09
